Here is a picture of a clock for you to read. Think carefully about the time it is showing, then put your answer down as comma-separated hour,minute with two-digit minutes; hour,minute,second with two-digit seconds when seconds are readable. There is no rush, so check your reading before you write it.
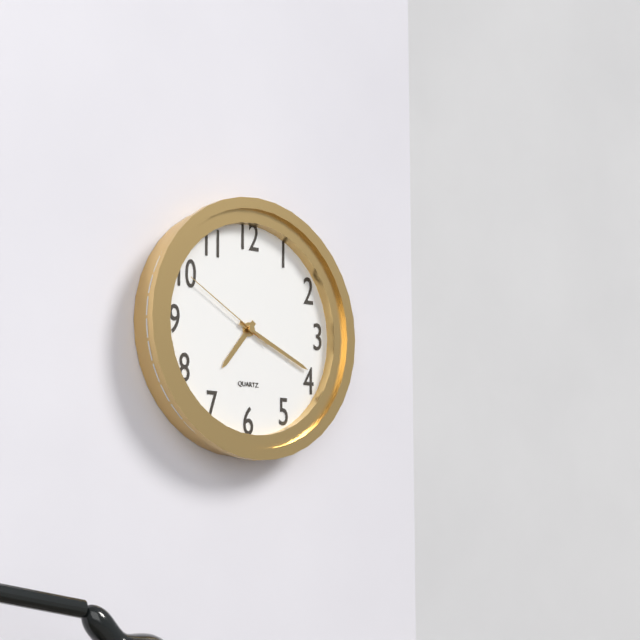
7,19,50
